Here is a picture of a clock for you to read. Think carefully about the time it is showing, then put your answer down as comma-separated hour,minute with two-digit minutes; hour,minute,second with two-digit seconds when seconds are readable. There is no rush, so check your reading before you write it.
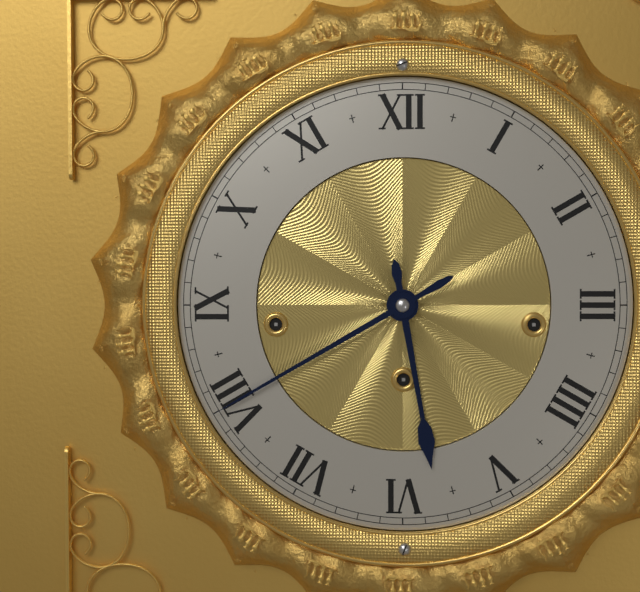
5,40
